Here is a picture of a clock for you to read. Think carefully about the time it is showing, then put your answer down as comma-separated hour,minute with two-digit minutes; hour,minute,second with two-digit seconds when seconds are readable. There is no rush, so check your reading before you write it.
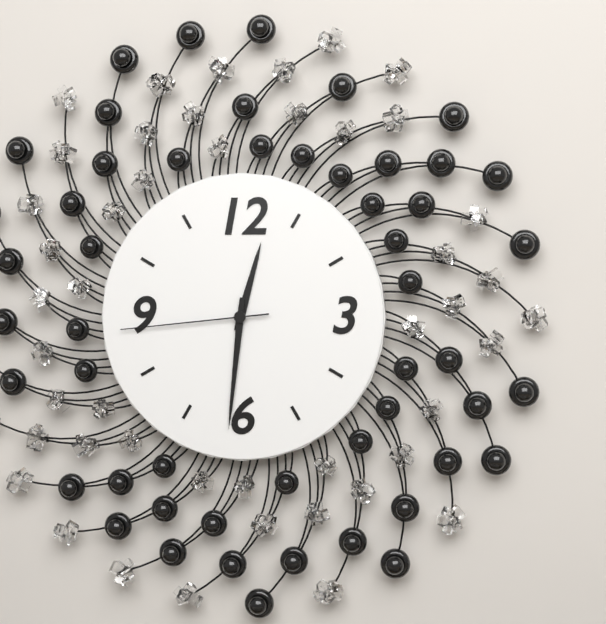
12,31,44
